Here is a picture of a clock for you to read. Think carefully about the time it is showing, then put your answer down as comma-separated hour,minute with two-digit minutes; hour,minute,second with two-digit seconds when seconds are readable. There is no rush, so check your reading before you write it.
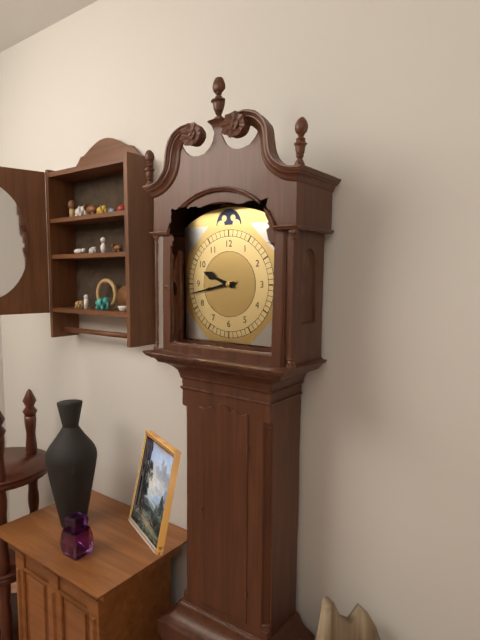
9,43
